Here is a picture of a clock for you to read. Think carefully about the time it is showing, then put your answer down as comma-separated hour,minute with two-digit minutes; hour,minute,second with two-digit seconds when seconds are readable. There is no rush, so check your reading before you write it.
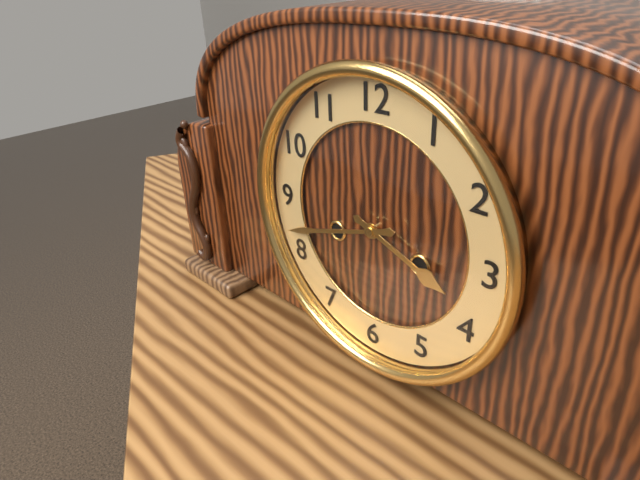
3,42
